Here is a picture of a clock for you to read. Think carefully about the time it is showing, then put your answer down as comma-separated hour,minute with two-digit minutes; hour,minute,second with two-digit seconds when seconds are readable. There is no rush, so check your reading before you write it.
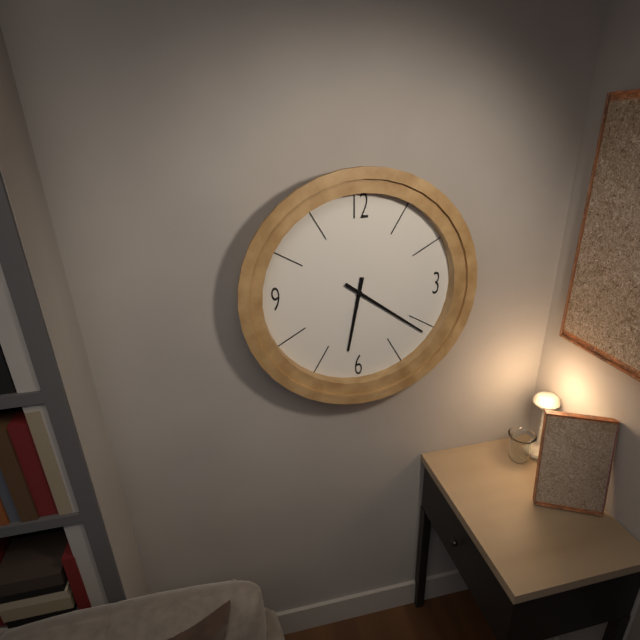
6,21
